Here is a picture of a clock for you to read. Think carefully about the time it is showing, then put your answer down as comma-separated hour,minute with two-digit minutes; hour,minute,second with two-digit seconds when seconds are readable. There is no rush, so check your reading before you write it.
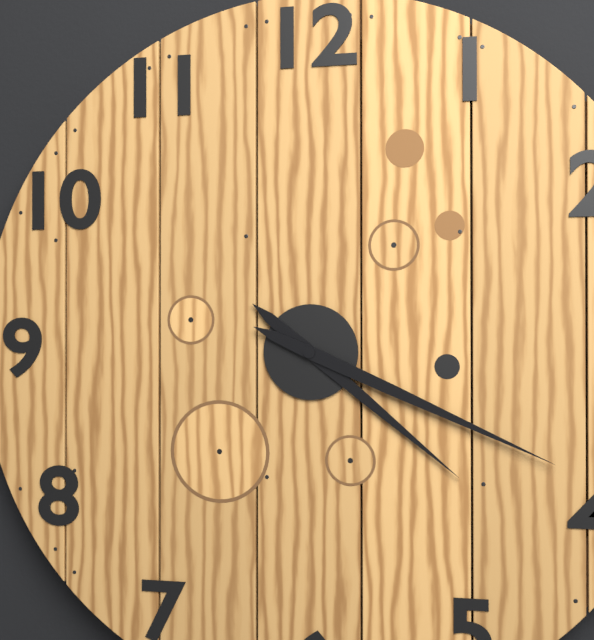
4,19
